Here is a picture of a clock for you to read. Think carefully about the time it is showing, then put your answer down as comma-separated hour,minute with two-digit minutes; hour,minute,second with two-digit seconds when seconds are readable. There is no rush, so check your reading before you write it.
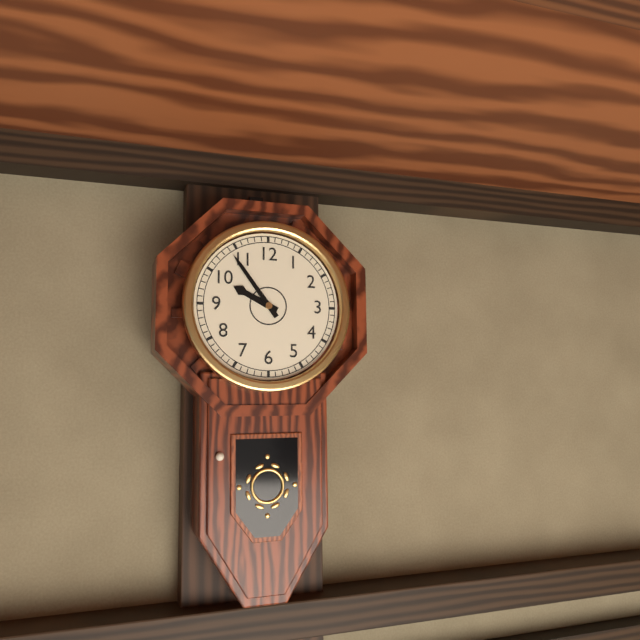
9,54
